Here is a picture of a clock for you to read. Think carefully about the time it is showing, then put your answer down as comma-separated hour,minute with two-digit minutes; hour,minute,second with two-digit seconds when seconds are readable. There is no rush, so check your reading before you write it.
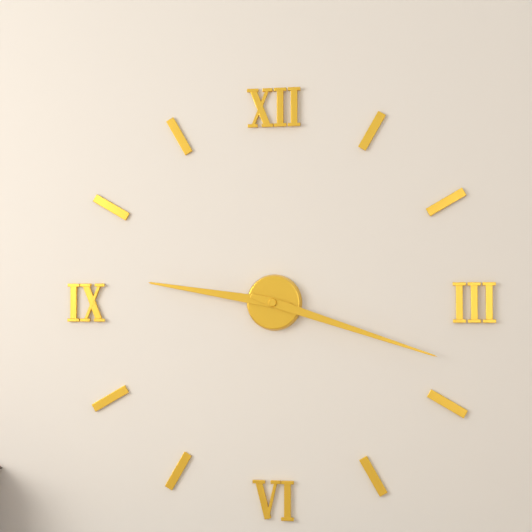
9,18
